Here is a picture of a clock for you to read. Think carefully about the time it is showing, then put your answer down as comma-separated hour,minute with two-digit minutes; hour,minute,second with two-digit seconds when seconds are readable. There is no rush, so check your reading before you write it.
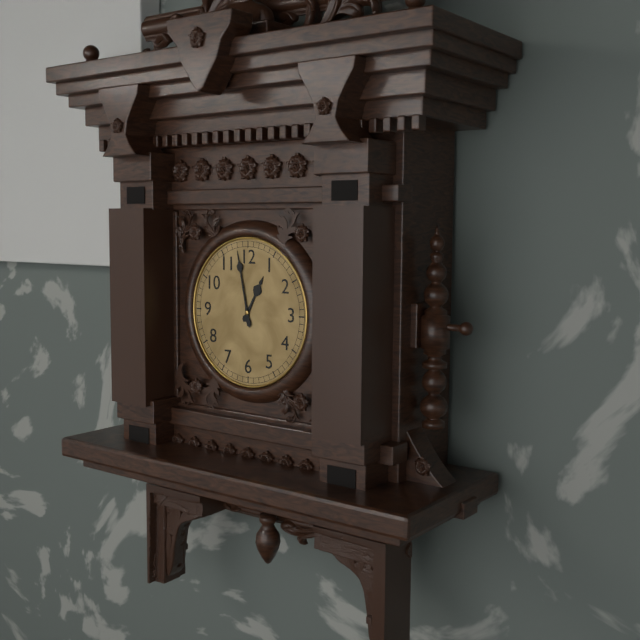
12,58
